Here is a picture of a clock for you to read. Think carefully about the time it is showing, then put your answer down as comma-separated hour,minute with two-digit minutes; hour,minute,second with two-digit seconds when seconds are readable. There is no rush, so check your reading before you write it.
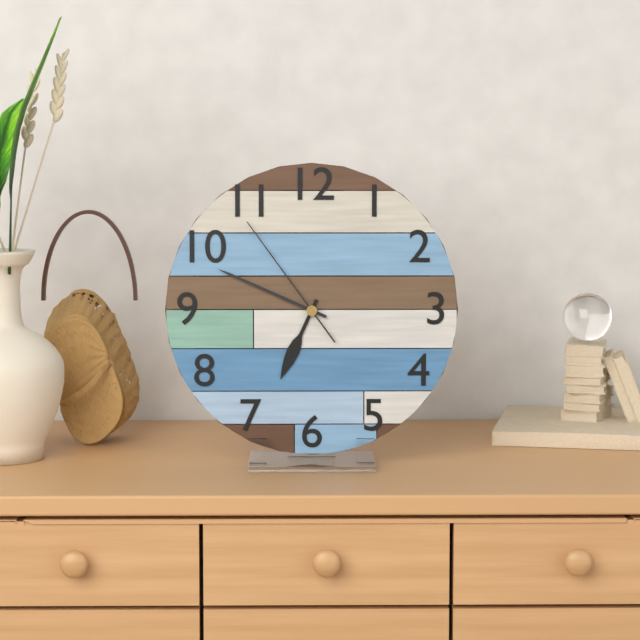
6,49,54
